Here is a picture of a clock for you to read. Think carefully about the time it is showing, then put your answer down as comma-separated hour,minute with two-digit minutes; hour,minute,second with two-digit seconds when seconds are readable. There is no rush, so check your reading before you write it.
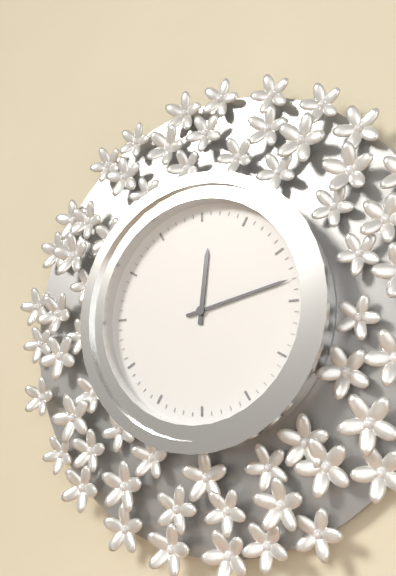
12,13
